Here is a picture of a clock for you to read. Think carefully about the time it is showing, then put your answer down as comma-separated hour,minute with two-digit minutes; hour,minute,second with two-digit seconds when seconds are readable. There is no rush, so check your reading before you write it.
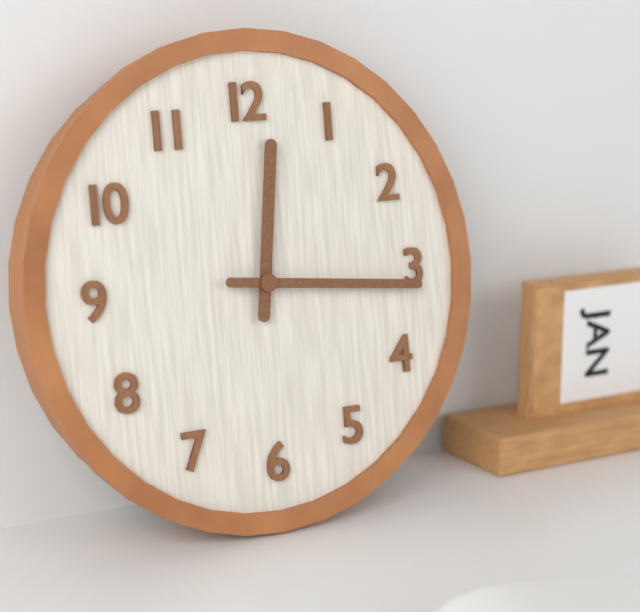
12,16
